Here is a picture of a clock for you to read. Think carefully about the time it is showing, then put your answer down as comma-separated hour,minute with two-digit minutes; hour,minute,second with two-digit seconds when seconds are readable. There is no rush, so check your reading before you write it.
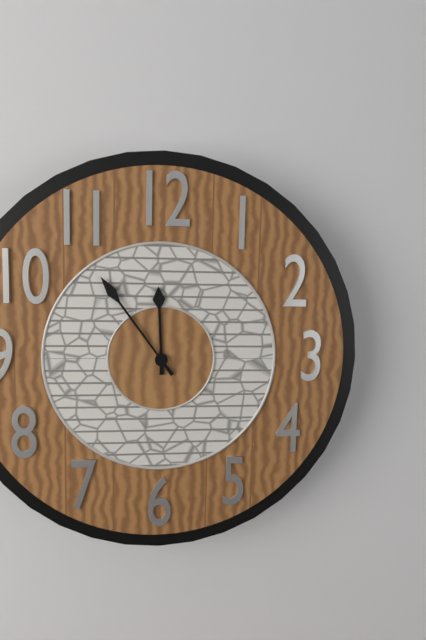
11,54
